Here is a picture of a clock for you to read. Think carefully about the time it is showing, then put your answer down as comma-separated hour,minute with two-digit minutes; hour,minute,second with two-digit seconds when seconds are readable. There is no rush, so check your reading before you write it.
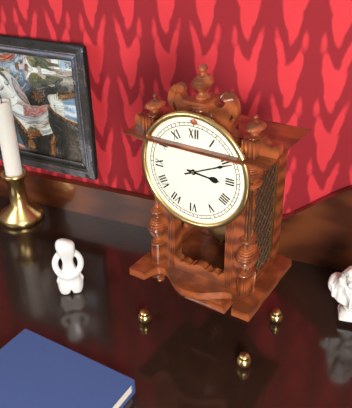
3,11
